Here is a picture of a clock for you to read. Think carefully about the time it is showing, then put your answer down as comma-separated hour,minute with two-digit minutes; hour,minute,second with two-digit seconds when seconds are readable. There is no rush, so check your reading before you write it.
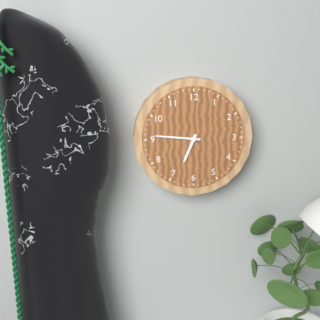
6,46
